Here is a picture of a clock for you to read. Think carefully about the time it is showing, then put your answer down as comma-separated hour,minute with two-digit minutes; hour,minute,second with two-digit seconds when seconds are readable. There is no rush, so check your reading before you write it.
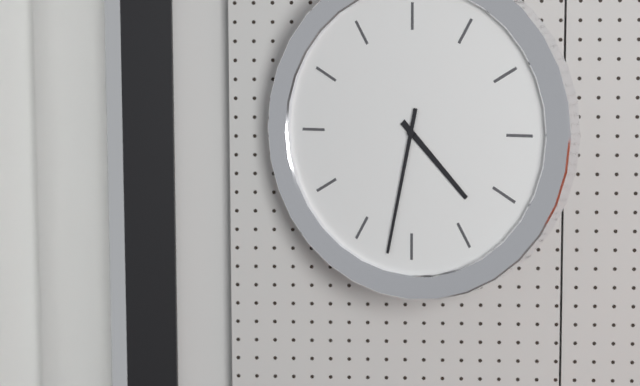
4,32
